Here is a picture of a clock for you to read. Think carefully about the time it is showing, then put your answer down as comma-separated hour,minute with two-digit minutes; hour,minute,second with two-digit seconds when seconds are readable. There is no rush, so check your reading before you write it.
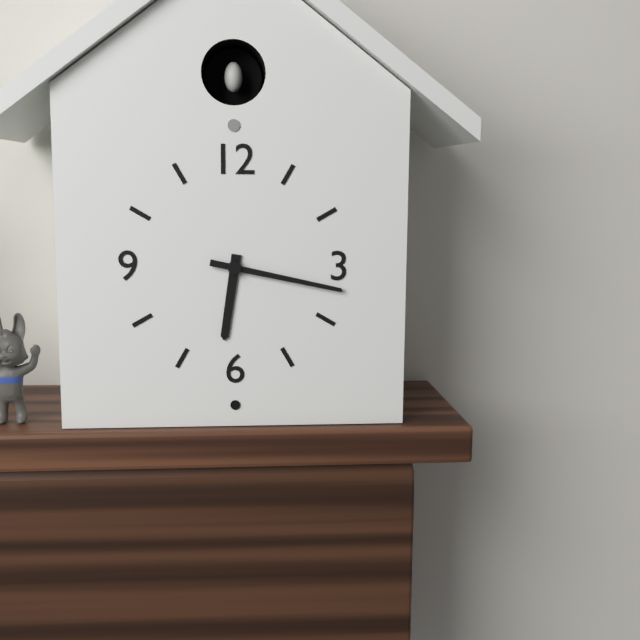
6,17
